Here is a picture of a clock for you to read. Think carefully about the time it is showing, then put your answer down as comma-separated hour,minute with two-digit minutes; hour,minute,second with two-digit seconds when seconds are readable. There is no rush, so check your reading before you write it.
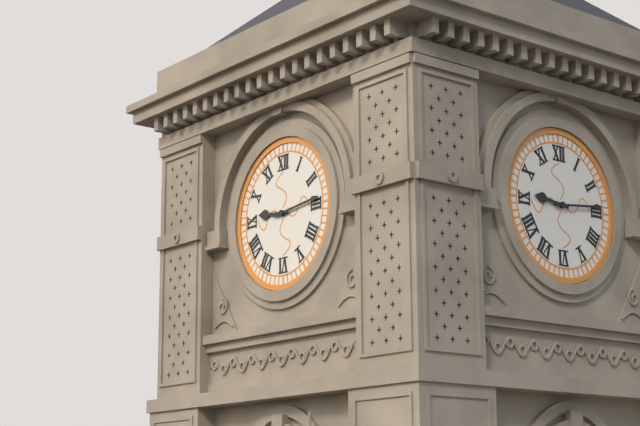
9,14
